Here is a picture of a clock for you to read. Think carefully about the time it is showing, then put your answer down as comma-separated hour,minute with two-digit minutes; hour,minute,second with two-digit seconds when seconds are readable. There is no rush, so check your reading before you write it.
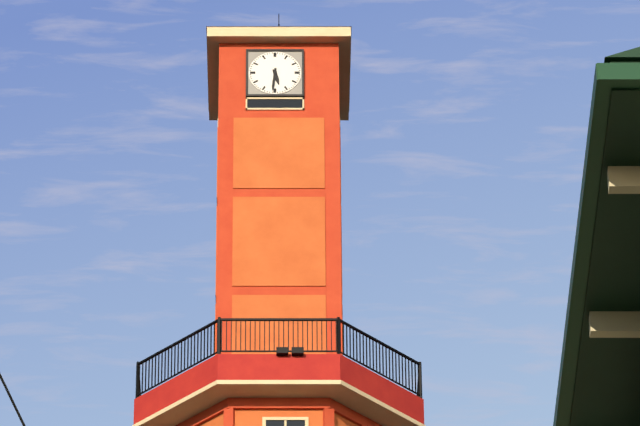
5,31
